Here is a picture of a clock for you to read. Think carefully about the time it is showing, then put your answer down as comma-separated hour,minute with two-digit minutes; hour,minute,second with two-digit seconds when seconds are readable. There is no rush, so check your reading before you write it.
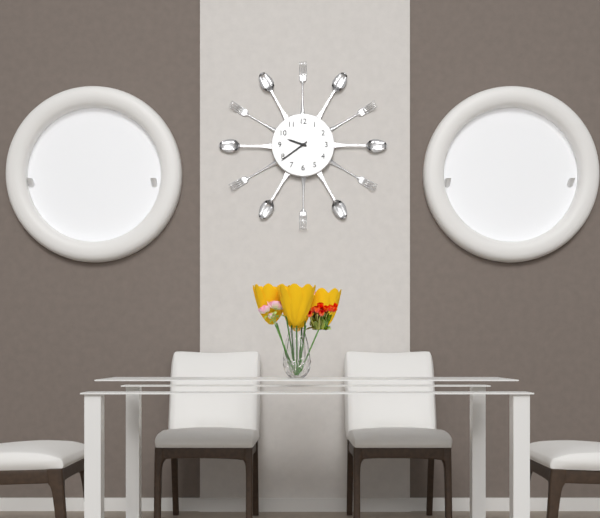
9,39
